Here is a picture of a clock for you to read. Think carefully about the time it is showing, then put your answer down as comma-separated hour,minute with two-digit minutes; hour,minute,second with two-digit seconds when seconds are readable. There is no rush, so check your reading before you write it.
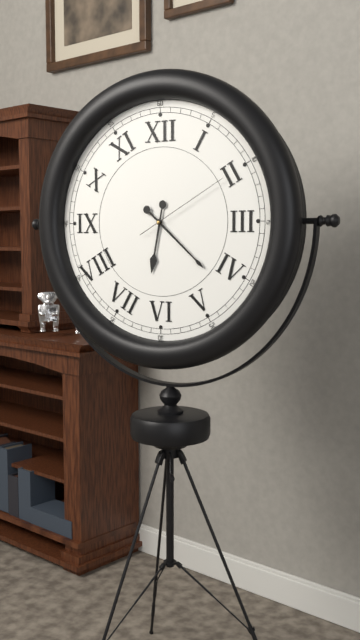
6,22,10
